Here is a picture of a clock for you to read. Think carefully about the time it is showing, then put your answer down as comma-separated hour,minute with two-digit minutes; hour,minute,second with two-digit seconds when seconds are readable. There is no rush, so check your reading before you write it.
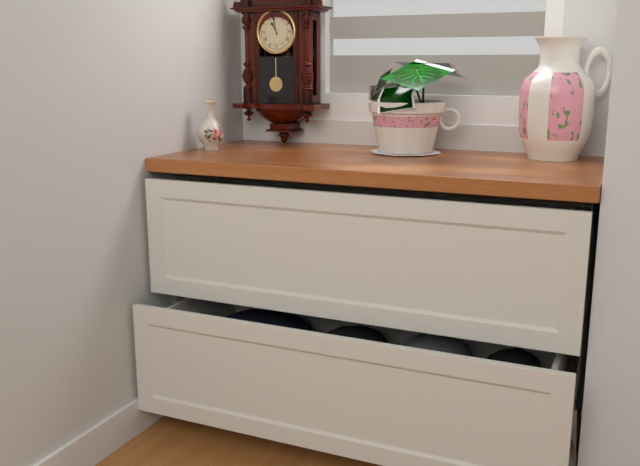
10,58
